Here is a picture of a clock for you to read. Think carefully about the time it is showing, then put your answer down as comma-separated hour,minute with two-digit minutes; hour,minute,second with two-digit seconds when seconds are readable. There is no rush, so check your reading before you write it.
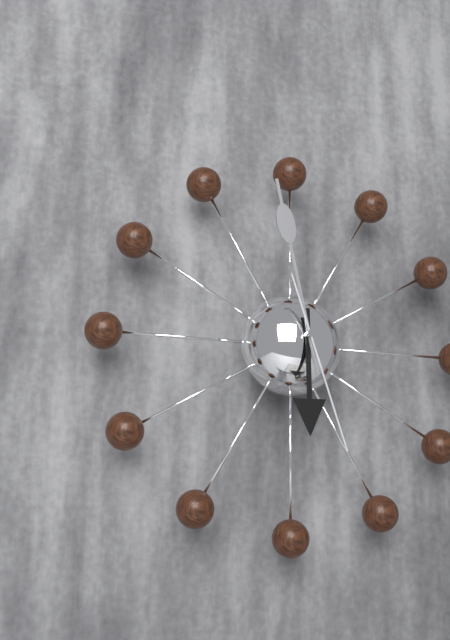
5,58,27
